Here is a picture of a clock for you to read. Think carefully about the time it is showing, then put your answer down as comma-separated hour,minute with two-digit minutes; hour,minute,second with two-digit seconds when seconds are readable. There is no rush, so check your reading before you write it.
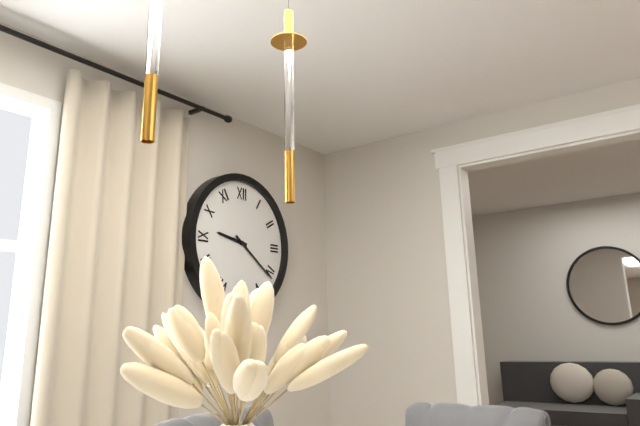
9,21
